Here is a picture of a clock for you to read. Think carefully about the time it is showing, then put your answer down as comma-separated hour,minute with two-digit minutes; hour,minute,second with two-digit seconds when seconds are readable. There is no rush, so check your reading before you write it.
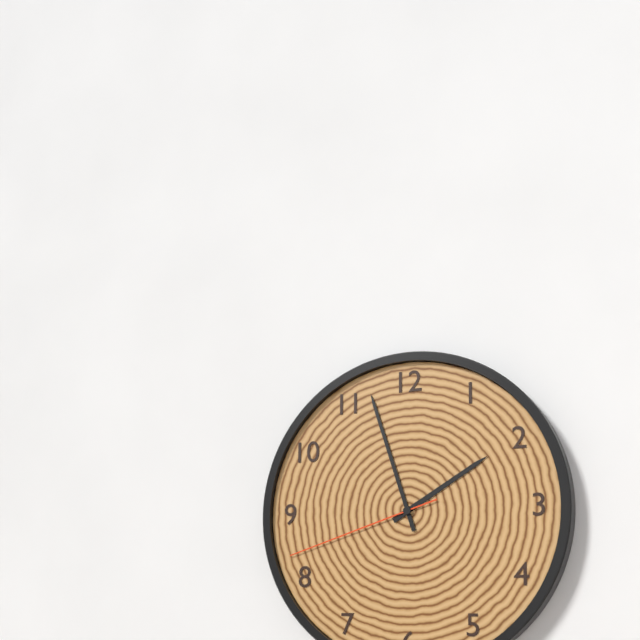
1,57,42
